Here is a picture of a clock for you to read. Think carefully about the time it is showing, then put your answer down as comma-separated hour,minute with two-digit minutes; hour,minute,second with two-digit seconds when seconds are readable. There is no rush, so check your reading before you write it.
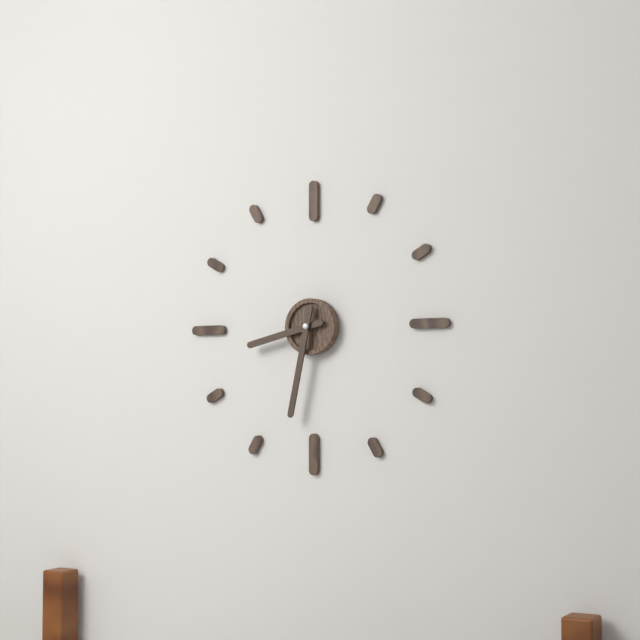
8,32
